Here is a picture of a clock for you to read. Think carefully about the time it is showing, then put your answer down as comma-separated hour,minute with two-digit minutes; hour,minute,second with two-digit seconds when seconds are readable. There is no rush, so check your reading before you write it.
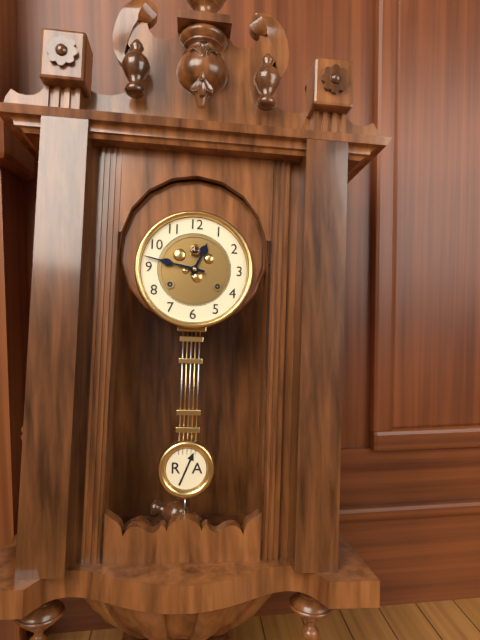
12,47
